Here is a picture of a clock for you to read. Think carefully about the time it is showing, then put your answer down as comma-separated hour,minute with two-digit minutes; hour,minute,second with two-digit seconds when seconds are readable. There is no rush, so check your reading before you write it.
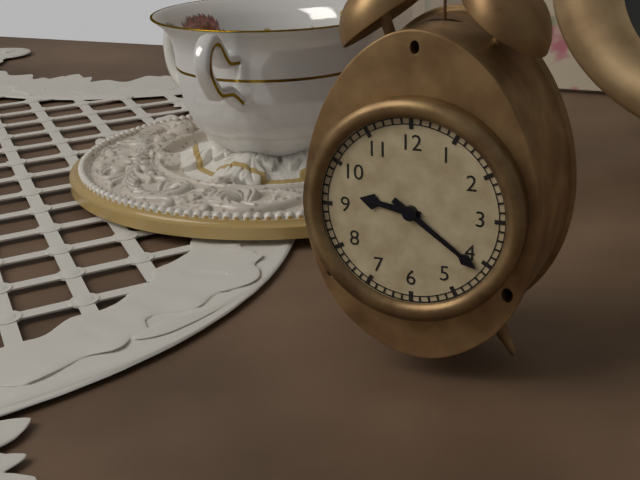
9,21
